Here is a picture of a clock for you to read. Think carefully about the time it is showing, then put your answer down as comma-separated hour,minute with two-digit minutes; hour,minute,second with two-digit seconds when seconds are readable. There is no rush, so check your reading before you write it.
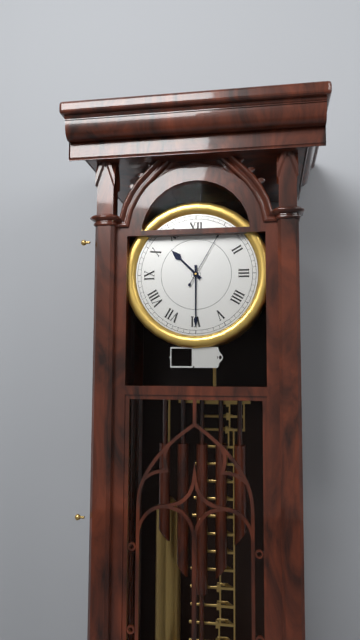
10,30,05
